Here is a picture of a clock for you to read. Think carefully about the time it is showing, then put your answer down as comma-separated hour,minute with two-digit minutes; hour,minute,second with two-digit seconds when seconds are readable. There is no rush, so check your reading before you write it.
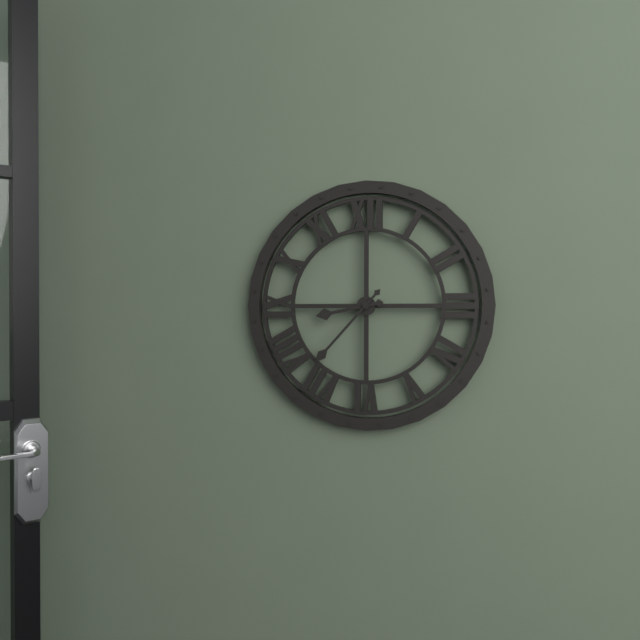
8,37
